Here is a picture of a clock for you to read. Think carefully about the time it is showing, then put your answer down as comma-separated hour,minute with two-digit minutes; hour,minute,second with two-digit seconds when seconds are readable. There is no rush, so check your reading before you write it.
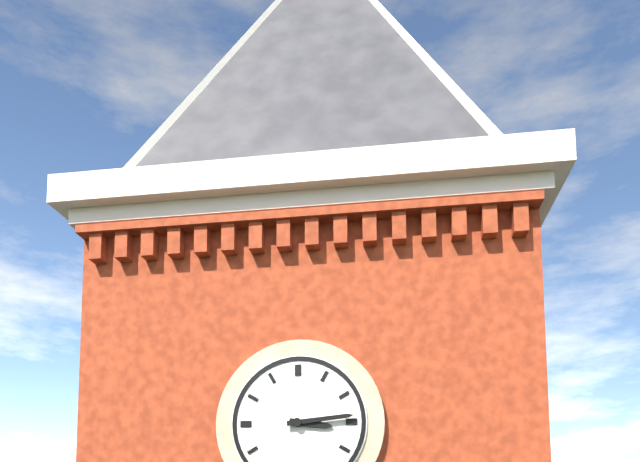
3,14
